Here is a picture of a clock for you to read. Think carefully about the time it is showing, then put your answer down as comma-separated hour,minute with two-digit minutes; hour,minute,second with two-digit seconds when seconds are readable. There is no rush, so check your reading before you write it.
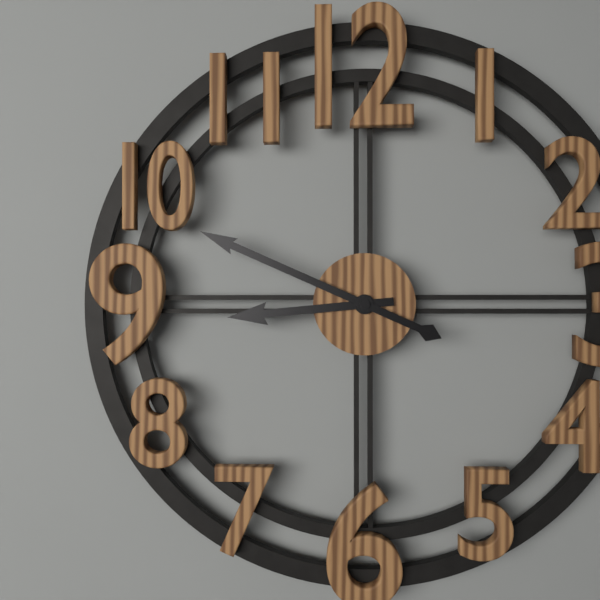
8,49
